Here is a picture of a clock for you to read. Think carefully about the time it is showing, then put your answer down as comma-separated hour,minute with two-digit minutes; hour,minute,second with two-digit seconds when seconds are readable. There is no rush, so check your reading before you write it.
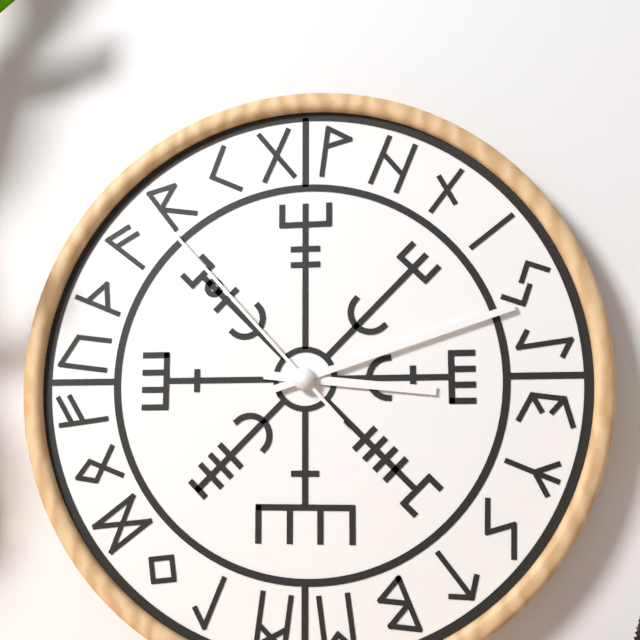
3,12,53
